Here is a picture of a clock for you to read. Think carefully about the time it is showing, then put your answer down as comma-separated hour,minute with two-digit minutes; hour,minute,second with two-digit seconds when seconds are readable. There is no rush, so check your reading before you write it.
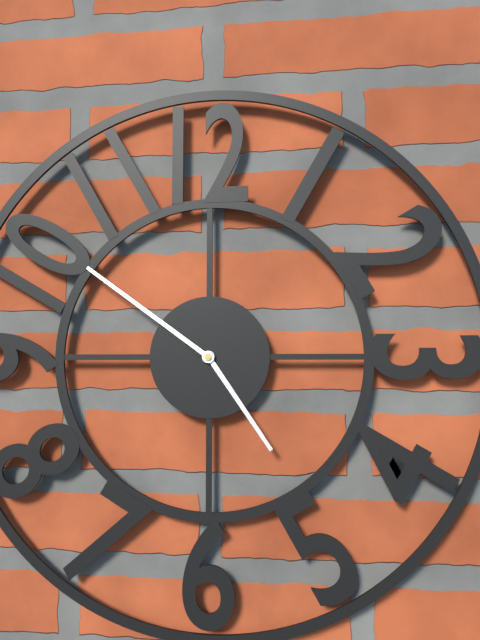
4,51
